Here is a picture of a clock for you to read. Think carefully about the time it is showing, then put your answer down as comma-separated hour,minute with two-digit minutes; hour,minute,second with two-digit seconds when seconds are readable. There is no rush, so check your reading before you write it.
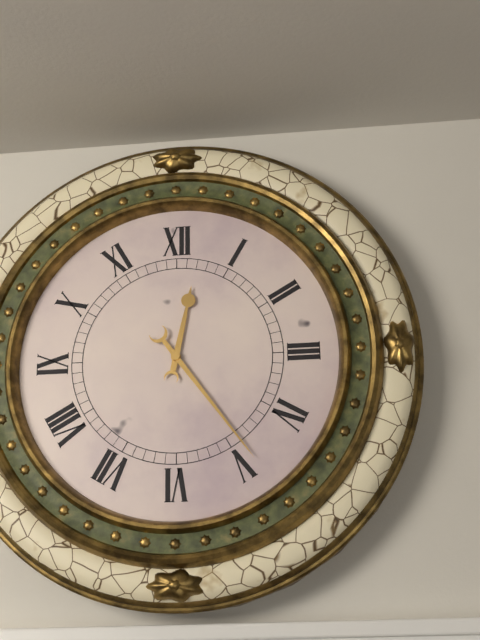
12,24
